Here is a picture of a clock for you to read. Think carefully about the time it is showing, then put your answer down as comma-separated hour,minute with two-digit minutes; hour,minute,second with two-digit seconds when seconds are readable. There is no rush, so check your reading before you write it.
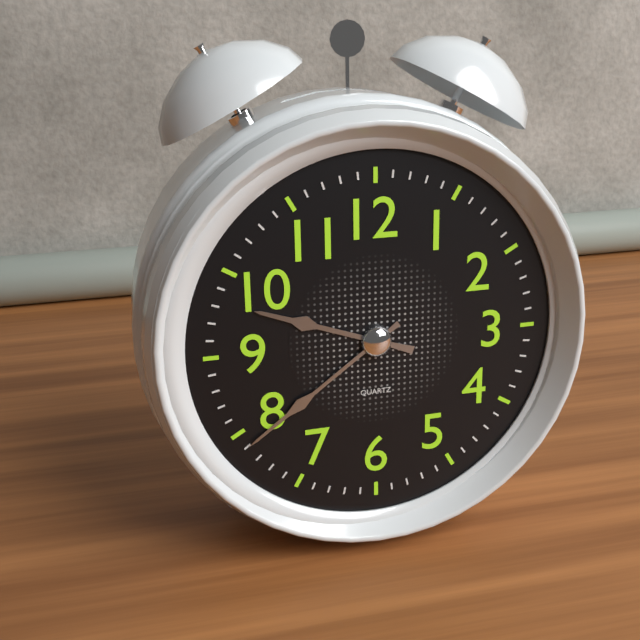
9,39
